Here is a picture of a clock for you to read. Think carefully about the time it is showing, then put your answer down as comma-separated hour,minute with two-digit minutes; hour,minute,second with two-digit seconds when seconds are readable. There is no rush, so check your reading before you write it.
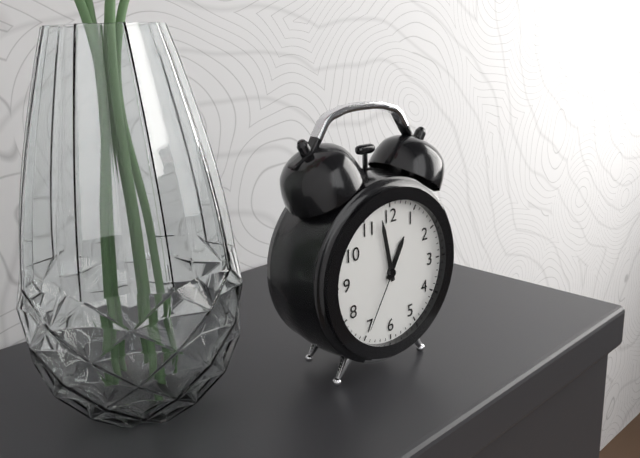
12,58,35
